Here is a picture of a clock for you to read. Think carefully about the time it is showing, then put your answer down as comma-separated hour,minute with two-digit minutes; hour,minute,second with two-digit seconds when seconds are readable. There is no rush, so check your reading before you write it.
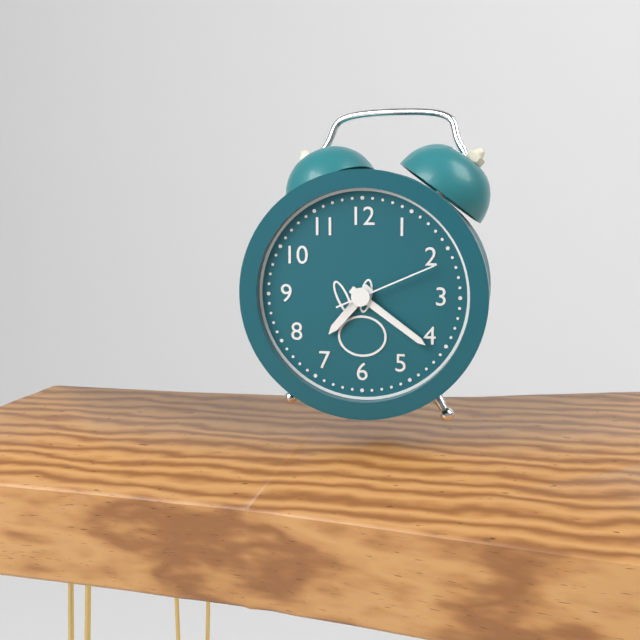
7,21,11
